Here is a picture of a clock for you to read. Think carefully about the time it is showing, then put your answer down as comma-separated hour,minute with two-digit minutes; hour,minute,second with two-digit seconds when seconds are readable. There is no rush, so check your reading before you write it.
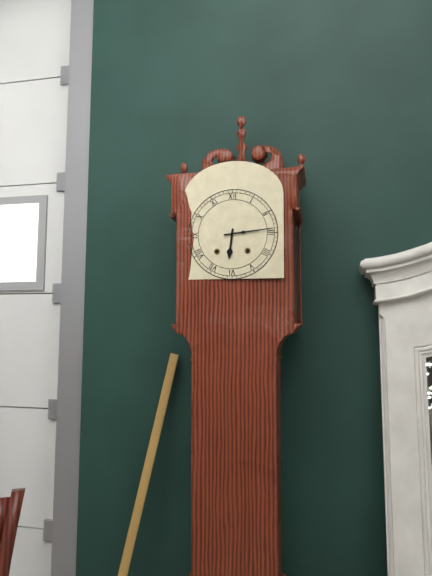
6,14
